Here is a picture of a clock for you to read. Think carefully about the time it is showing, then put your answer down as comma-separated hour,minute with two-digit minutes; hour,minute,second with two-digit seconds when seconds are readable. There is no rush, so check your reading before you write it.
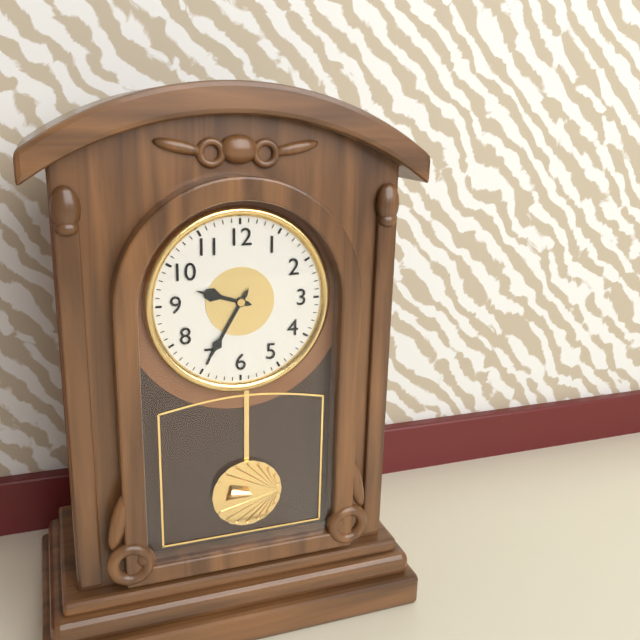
9,35
